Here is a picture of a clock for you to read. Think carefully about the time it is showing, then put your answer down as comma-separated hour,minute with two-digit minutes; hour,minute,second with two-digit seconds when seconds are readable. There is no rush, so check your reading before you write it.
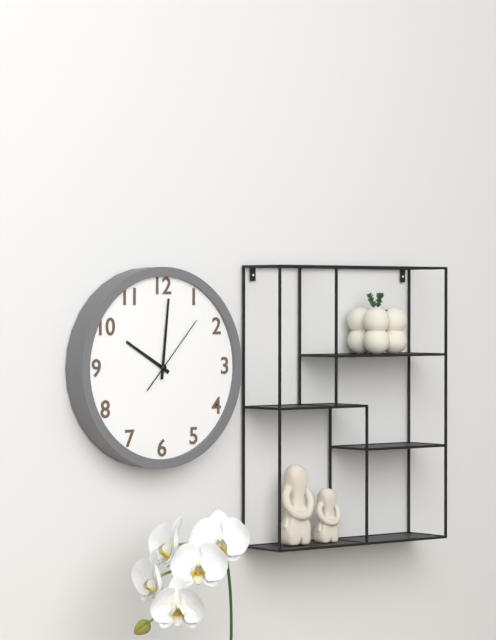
10,01,07
